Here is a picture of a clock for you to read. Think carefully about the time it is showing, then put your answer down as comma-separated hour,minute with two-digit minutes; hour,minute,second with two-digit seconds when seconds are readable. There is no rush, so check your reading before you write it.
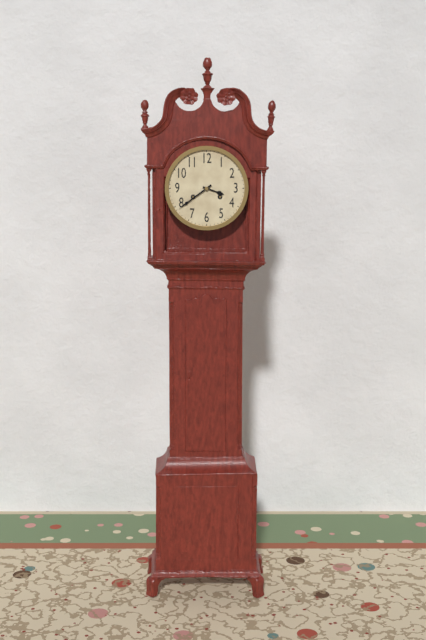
3,39
